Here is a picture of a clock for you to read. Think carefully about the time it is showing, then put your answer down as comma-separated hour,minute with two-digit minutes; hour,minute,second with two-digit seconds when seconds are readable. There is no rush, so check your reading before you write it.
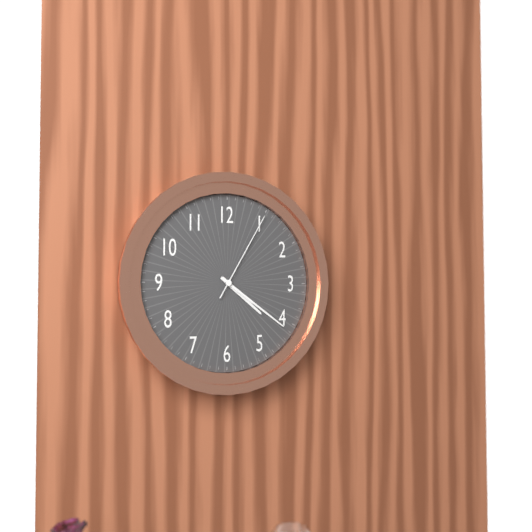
4,21,05
